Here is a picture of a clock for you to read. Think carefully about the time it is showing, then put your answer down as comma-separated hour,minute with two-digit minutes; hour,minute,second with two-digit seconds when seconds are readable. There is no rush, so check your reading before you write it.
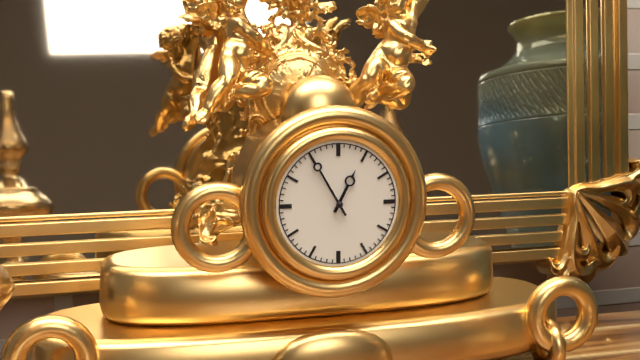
12,55
